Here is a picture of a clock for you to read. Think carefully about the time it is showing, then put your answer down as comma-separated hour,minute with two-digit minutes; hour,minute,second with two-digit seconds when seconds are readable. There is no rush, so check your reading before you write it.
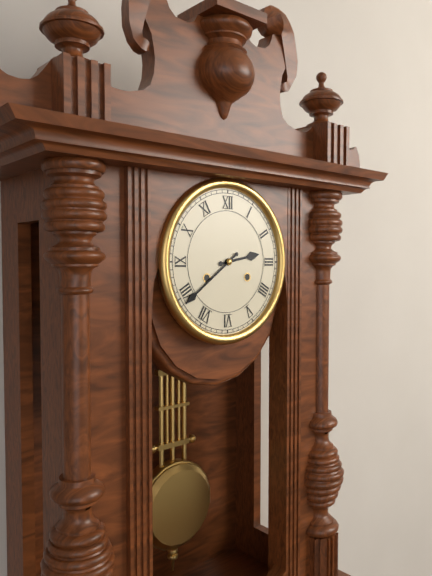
2,39
